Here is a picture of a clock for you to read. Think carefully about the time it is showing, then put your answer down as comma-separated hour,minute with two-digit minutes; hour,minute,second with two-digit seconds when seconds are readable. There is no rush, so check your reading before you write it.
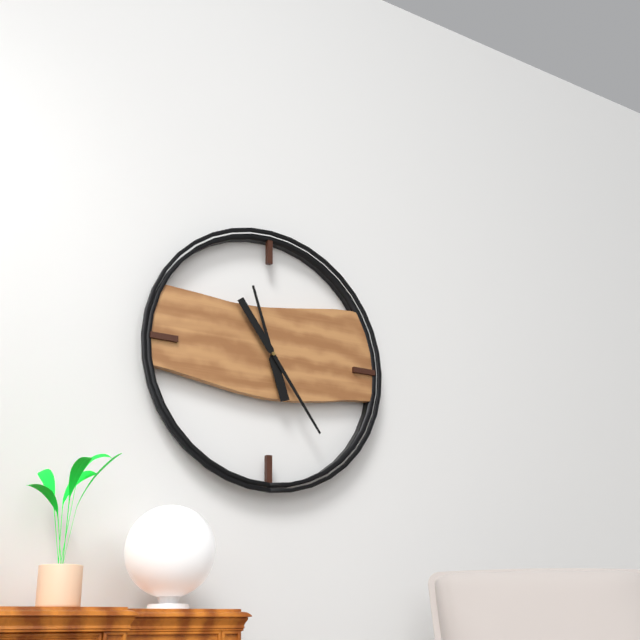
11,24
